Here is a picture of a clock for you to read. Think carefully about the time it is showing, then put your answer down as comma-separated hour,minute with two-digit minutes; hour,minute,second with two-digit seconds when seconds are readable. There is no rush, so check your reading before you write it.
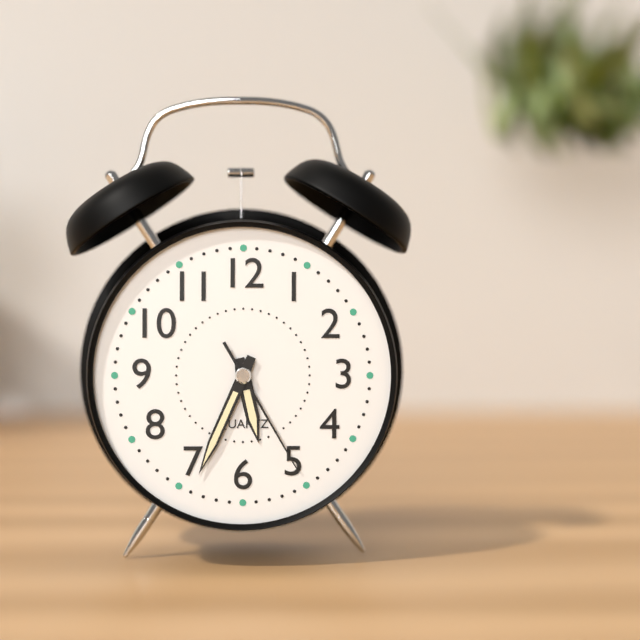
5,34,25
